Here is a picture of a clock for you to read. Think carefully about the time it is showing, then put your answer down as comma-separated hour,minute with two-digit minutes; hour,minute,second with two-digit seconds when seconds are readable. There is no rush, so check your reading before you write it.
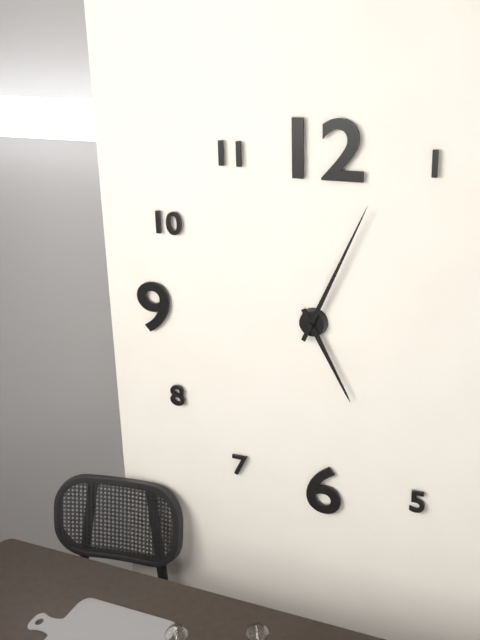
5,04
